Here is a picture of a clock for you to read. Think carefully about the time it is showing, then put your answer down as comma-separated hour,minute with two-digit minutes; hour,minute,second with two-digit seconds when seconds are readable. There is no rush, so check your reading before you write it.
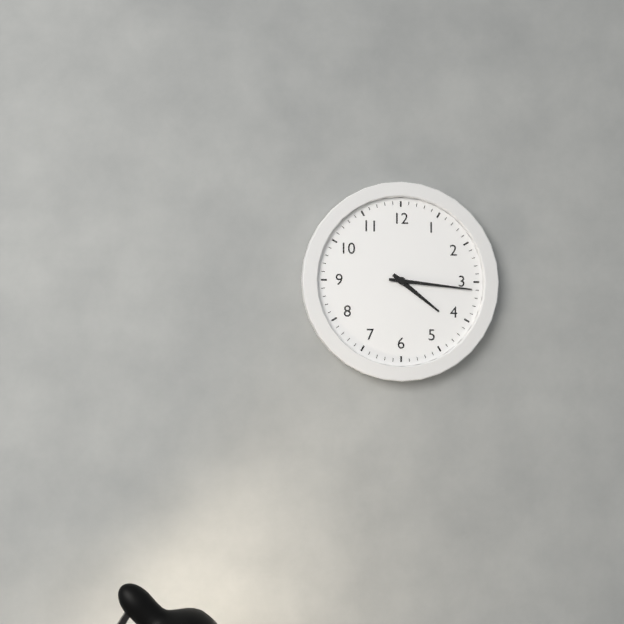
4,16
